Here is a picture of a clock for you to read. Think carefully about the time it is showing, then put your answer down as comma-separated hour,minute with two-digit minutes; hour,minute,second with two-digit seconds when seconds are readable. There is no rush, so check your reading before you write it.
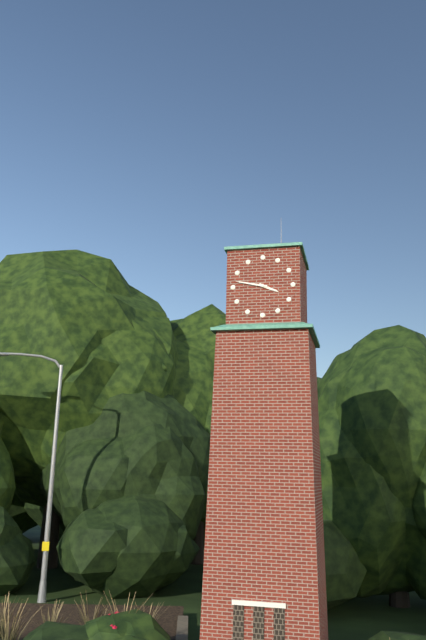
3,47
